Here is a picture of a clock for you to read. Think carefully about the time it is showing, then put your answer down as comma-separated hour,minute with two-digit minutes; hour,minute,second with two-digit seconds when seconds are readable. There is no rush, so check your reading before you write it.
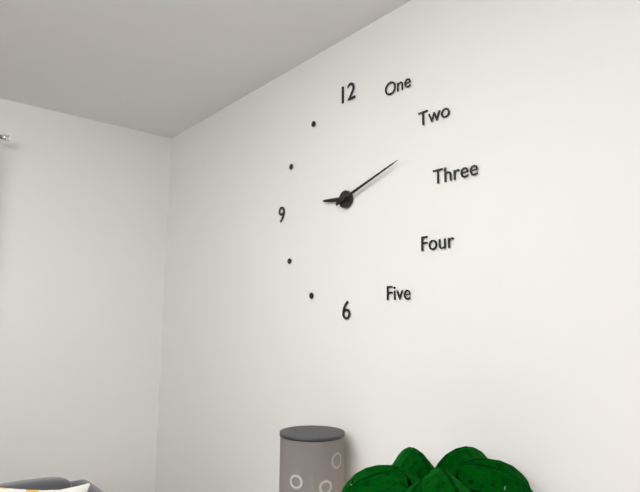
9,12
